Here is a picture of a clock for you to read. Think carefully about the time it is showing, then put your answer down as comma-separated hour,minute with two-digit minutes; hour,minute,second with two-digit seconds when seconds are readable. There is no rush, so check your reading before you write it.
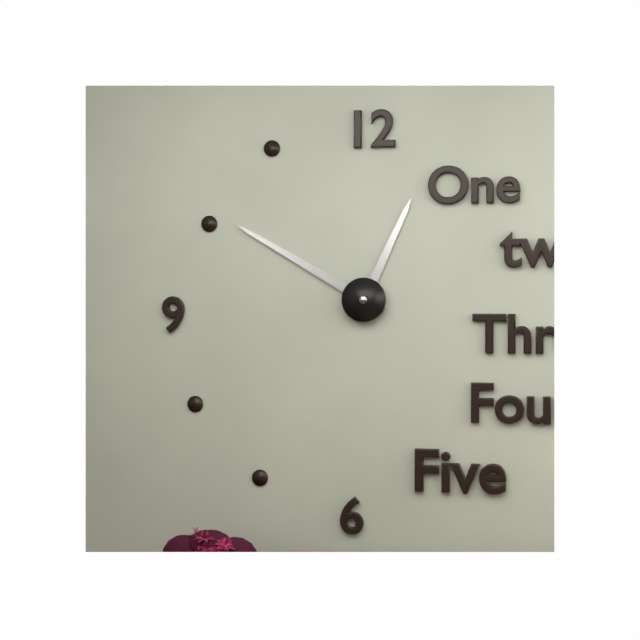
12,50
